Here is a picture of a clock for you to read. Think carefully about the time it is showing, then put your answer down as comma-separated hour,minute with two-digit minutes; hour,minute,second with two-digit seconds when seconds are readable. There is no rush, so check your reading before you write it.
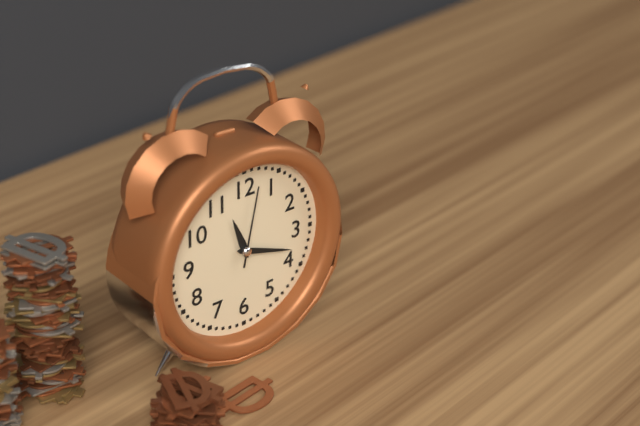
11,18,02
